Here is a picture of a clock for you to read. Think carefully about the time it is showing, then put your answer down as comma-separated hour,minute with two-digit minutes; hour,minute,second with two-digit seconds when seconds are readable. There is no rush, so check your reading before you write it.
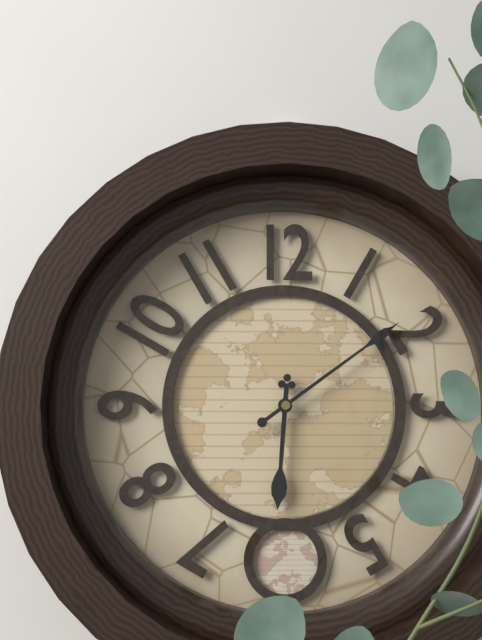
6,09
